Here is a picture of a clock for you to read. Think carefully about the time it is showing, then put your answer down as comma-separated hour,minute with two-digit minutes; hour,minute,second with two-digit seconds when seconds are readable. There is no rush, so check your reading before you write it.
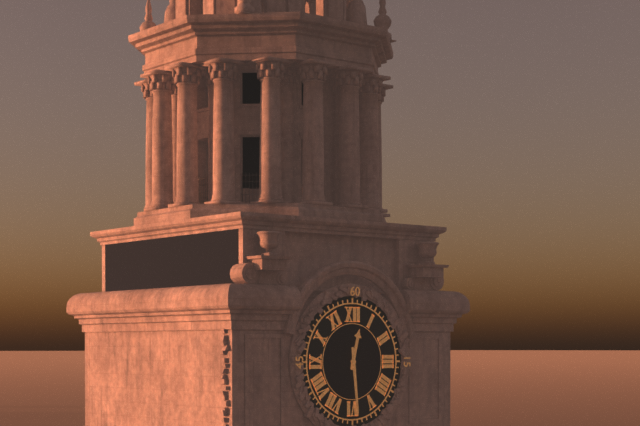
12,29
